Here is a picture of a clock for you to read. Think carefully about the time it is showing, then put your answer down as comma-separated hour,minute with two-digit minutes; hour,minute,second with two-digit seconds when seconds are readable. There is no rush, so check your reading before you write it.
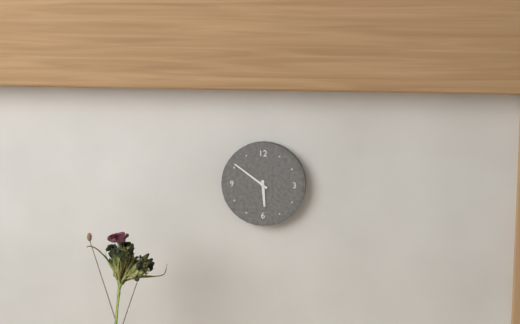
5,51
